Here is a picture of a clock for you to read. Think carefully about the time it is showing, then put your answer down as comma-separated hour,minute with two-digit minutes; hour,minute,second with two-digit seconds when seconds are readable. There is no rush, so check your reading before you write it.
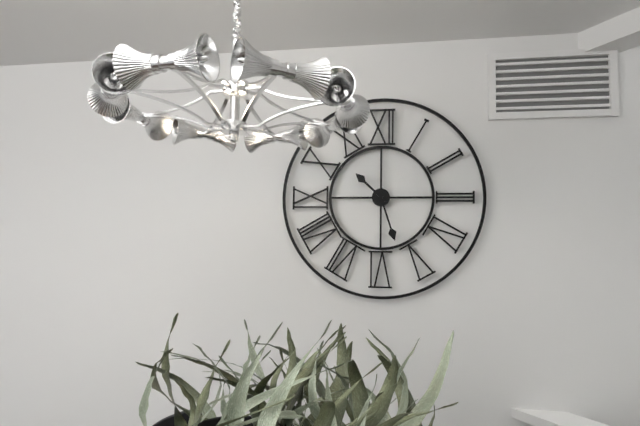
10,27
